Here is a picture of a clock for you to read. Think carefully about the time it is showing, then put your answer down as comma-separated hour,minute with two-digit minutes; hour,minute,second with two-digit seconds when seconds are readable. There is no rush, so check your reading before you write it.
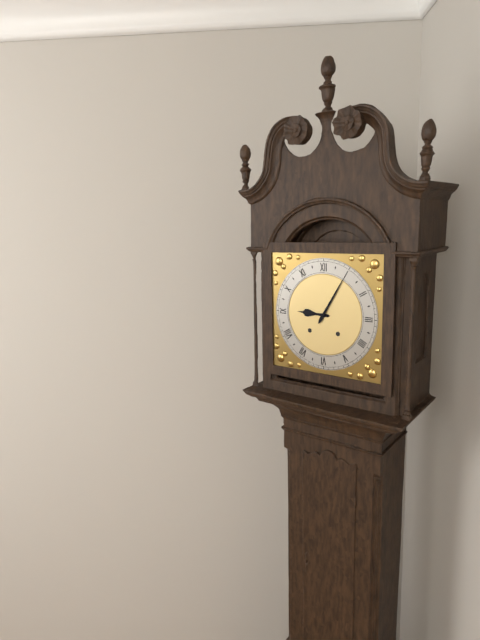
9,05
